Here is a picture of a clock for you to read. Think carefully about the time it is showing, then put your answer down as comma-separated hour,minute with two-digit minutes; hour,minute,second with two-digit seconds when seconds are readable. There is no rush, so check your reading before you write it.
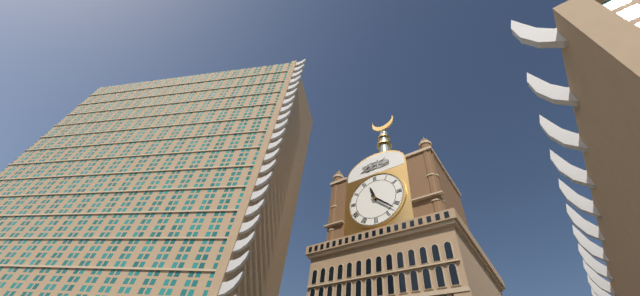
11,22
